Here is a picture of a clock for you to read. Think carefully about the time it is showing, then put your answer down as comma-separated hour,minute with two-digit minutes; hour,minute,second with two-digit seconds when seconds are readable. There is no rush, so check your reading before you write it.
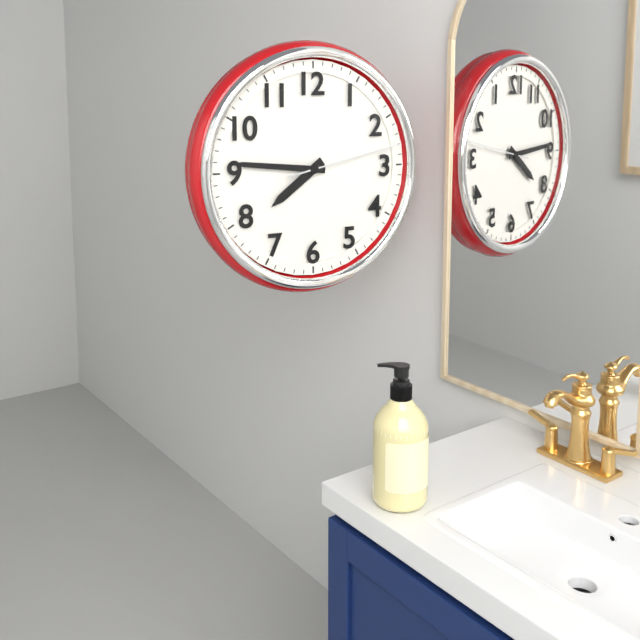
7,46,13
